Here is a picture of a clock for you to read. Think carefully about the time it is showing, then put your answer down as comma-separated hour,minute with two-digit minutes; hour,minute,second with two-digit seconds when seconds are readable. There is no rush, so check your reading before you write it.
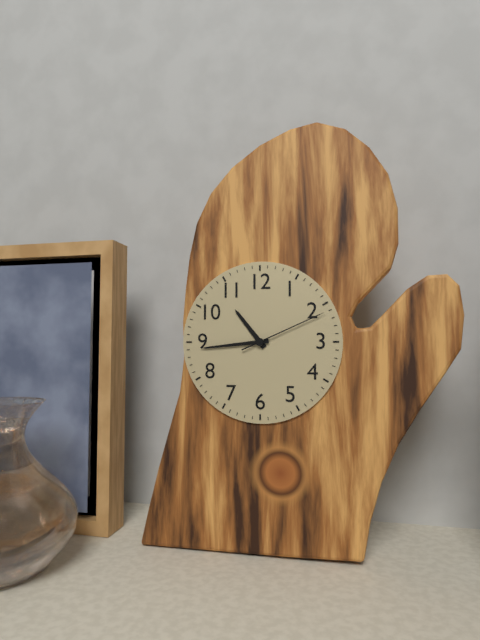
10,44,11
